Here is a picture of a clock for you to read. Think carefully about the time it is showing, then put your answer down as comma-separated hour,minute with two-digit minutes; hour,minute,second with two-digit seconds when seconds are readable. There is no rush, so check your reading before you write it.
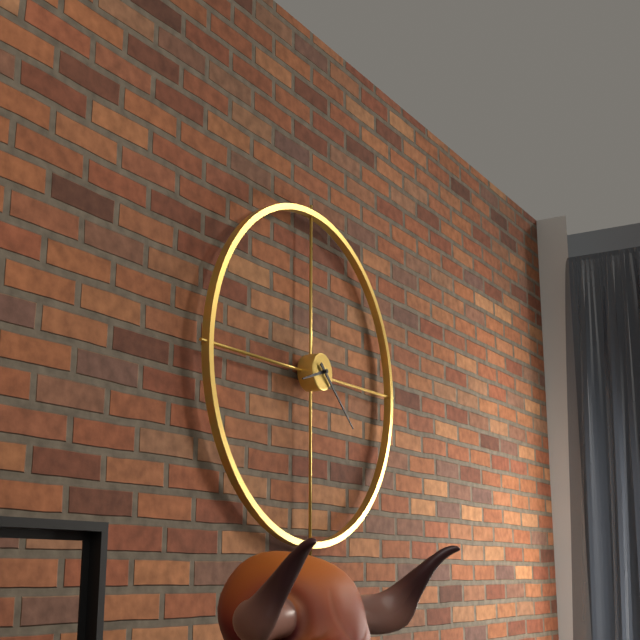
8,22
